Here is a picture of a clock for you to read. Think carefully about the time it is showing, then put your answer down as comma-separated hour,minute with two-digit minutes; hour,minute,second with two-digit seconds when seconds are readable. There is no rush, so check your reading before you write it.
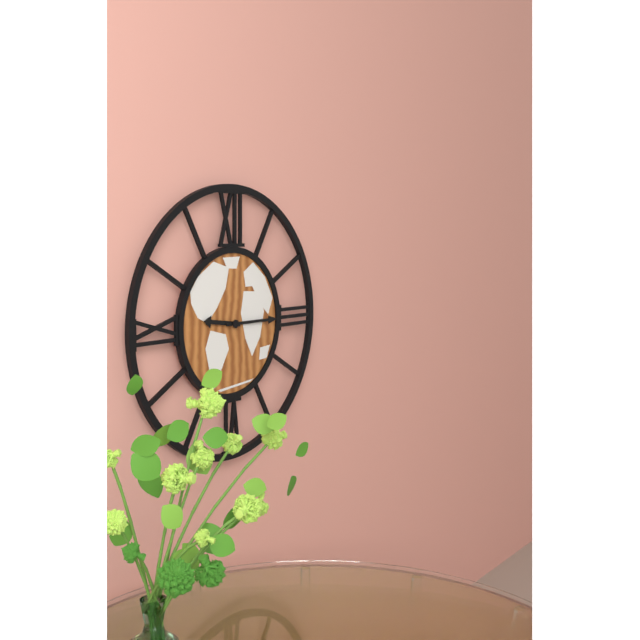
9,15
